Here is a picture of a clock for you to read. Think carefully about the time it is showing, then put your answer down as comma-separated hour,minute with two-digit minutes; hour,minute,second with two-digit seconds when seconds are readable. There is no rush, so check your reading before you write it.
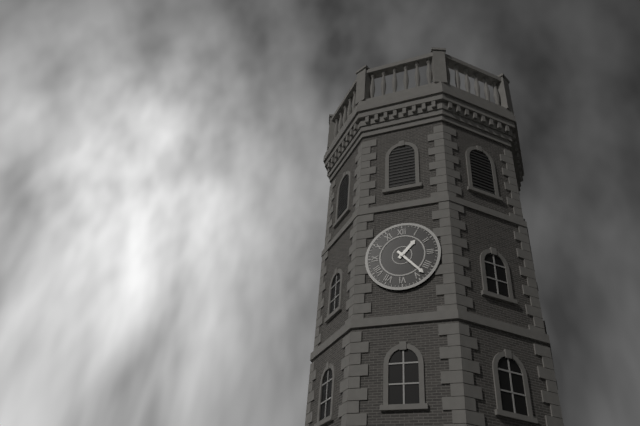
1,23
